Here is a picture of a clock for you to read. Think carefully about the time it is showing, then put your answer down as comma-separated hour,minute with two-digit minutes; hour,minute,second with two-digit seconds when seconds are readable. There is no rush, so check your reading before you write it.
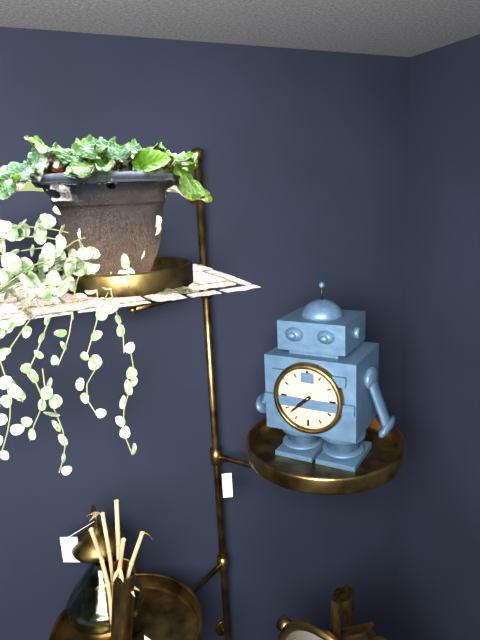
7,38
